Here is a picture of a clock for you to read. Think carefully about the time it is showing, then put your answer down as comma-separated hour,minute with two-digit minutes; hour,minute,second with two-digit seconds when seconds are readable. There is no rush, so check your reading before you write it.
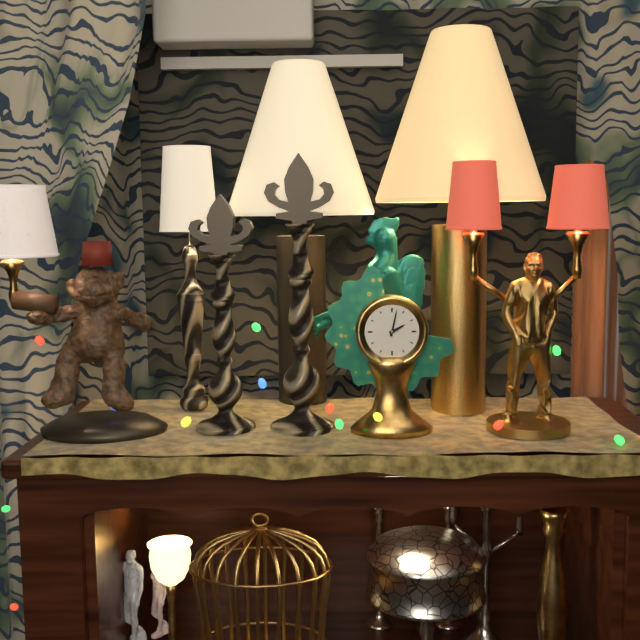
2,02
